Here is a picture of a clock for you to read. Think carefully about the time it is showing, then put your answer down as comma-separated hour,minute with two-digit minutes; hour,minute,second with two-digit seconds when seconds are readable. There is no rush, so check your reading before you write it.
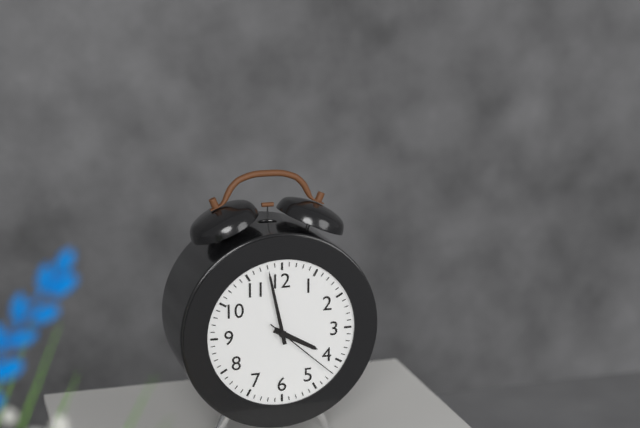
3,58,22
